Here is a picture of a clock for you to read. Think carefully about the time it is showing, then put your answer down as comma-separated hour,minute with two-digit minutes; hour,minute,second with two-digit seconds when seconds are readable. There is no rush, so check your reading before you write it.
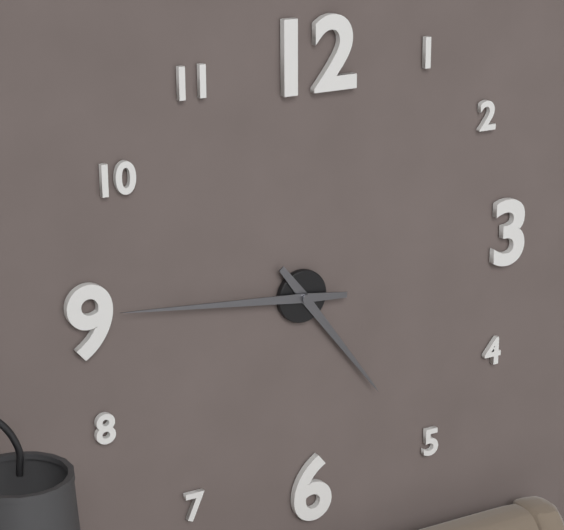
4,46
